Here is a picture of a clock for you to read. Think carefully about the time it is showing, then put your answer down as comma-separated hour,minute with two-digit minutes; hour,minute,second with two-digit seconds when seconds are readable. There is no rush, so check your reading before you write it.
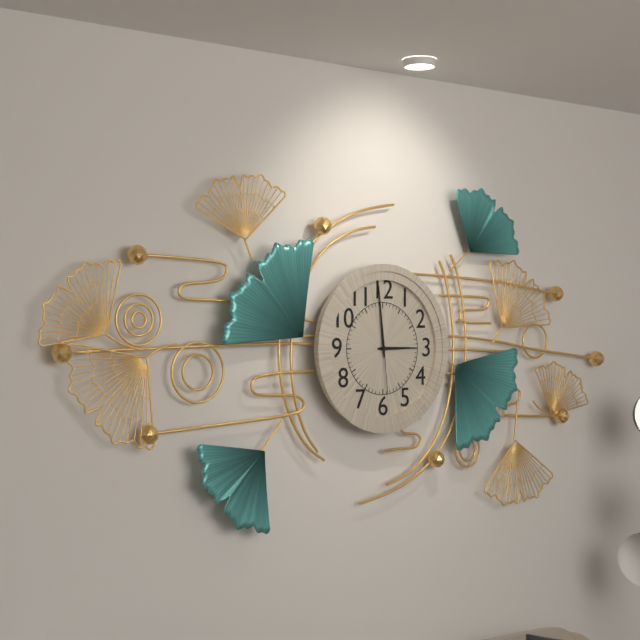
2,59,29
